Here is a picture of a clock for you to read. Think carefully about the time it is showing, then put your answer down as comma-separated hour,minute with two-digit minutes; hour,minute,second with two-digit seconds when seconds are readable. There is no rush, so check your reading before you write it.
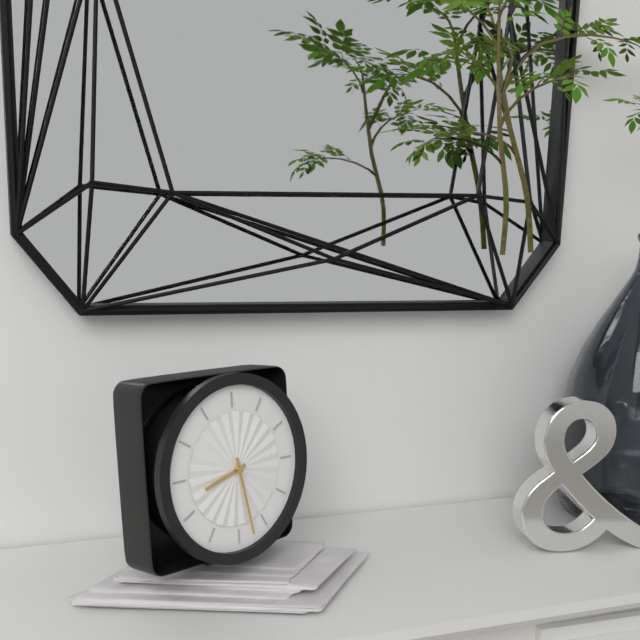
8,28
